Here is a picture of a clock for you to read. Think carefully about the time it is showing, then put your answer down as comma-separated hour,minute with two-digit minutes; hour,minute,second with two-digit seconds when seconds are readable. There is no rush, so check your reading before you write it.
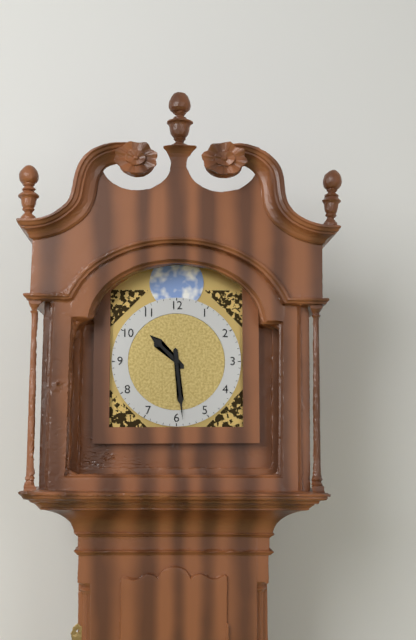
10,29
